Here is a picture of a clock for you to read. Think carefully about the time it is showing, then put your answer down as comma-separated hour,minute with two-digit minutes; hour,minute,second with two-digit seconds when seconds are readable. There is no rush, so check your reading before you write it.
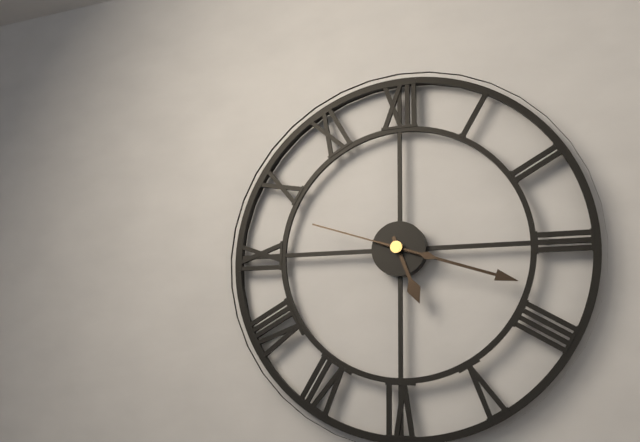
5,18,48
